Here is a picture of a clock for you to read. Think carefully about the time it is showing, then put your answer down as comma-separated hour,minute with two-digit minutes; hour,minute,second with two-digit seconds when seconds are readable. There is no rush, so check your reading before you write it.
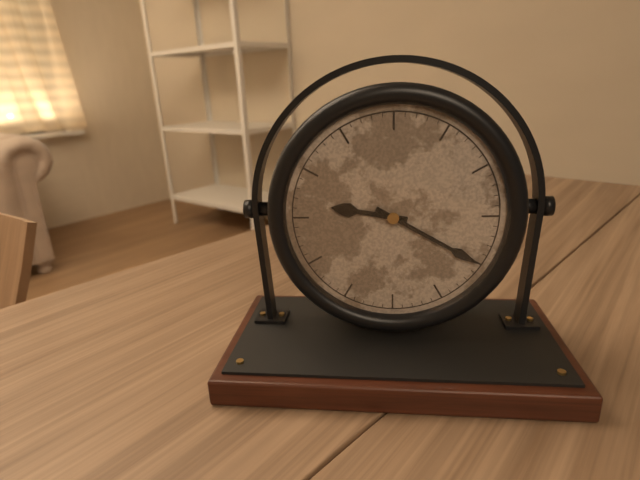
9,20
